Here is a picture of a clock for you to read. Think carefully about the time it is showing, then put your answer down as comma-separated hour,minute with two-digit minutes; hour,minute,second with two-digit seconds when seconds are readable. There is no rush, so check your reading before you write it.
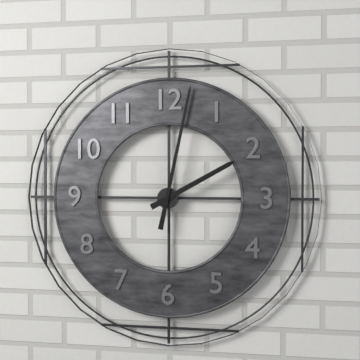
2,02
